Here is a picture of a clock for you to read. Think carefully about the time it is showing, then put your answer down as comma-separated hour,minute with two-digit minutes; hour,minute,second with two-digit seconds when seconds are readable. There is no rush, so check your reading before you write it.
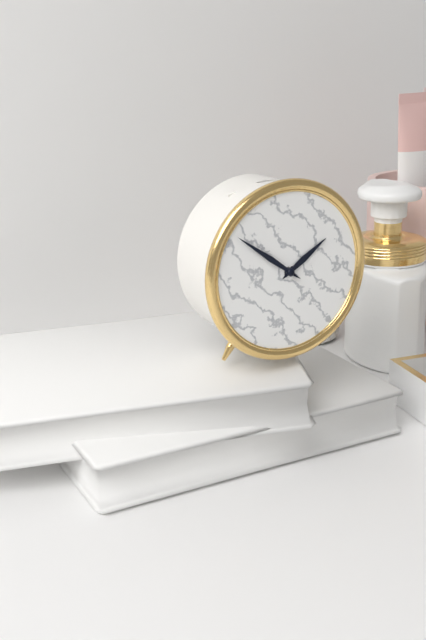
1,51
